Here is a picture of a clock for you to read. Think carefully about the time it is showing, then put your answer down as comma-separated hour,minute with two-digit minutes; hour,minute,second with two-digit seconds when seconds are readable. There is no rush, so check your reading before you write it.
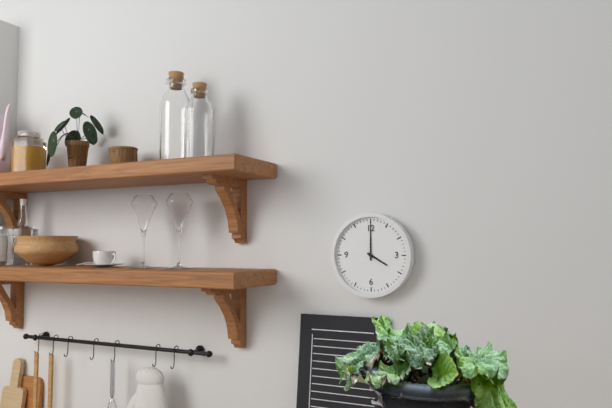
4,00
